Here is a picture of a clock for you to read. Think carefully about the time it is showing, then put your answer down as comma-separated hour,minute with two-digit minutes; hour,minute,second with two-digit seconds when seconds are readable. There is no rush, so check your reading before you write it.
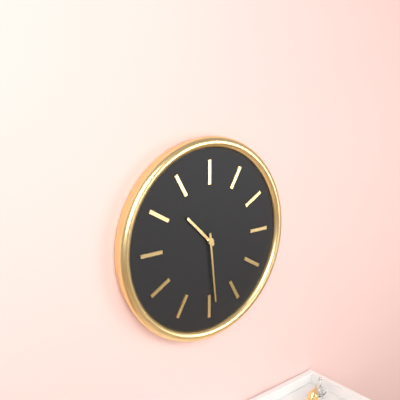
10,29
